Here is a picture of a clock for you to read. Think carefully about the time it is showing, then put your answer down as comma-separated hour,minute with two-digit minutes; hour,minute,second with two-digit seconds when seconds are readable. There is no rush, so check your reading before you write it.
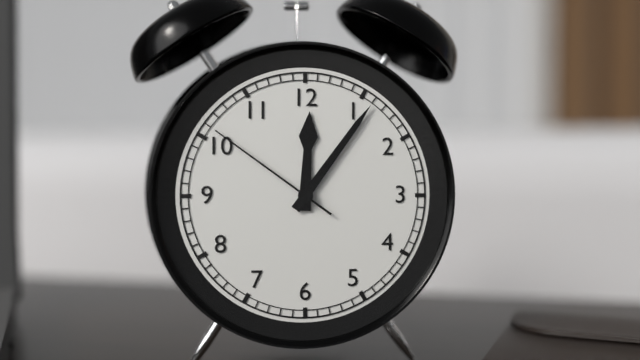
12,06,51
